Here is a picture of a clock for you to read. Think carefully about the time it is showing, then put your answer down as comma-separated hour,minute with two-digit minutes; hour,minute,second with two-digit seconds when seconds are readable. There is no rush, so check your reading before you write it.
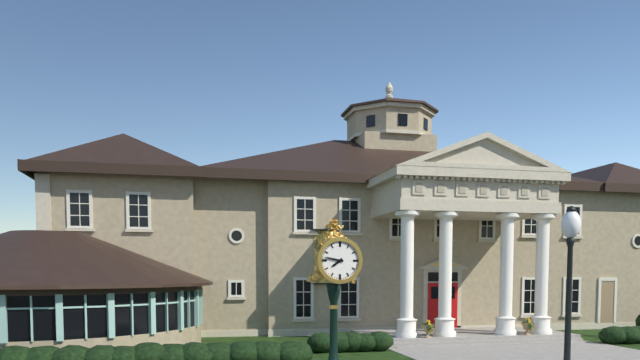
7,47
